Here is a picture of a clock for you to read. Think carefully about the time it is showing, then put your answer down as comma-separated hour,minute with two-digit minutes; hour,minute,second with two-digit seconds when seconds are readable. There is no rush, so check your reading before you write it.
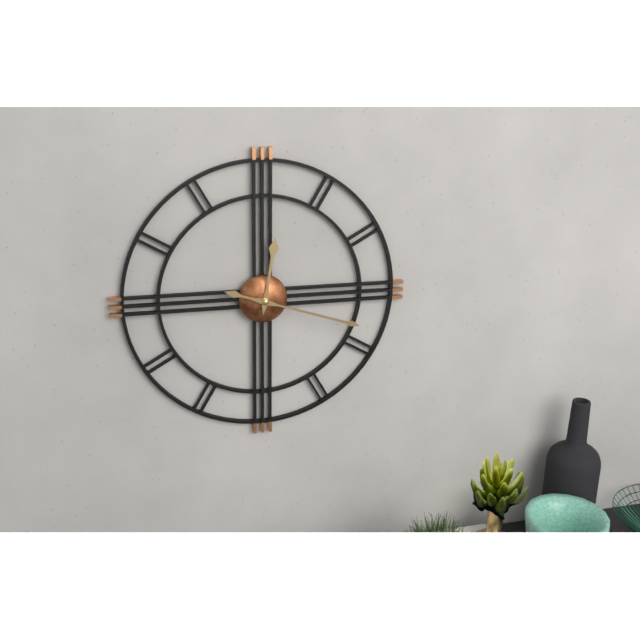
12,18
